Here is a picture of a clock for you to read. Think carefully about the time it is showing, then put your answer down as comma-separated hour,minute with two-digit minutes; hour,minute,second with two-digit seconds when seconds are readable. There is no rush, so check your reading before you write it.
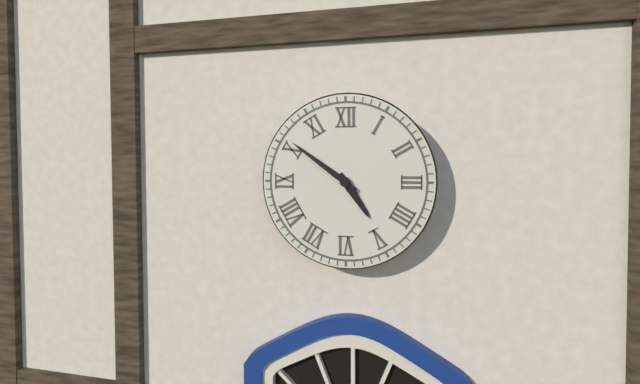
4,51
